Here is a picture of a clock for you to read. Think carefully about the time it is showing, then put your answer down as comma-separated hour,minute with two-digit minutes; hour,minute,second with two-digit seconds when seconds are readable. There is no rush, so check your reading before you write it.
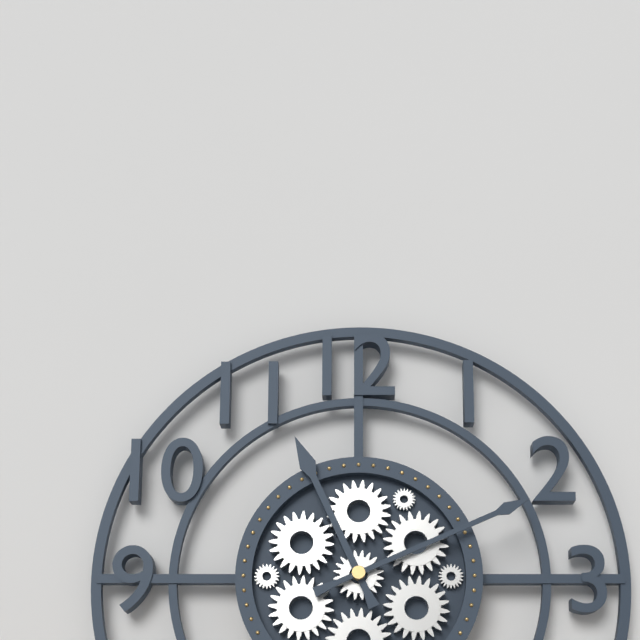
11,11
